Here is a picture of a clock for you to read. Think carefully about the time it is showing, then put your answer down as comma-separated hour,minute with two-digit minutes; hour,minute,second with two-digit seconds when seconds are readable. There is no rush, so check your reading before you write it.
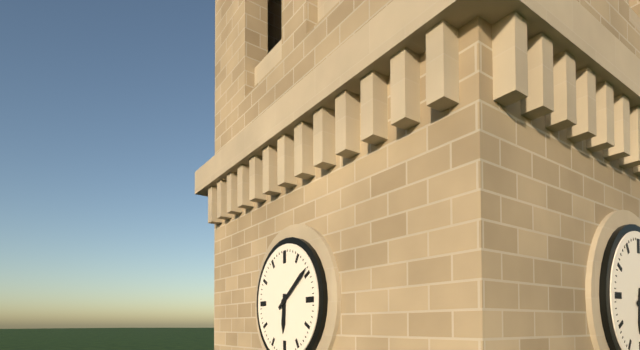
6,09
